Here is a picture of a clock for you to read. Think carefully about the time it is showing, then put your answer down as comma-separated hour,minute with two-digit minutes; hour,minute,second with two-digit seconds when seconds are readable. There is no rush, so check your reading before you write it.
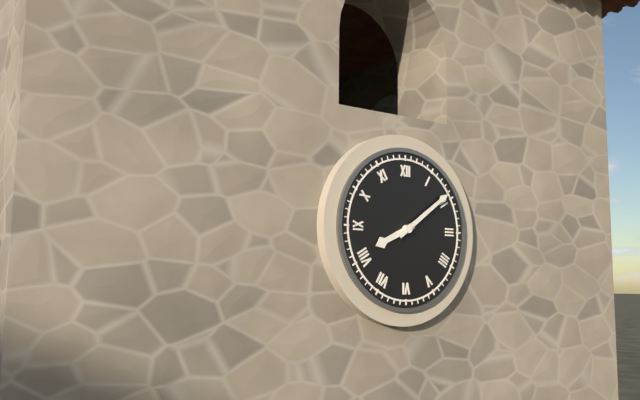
8,09
